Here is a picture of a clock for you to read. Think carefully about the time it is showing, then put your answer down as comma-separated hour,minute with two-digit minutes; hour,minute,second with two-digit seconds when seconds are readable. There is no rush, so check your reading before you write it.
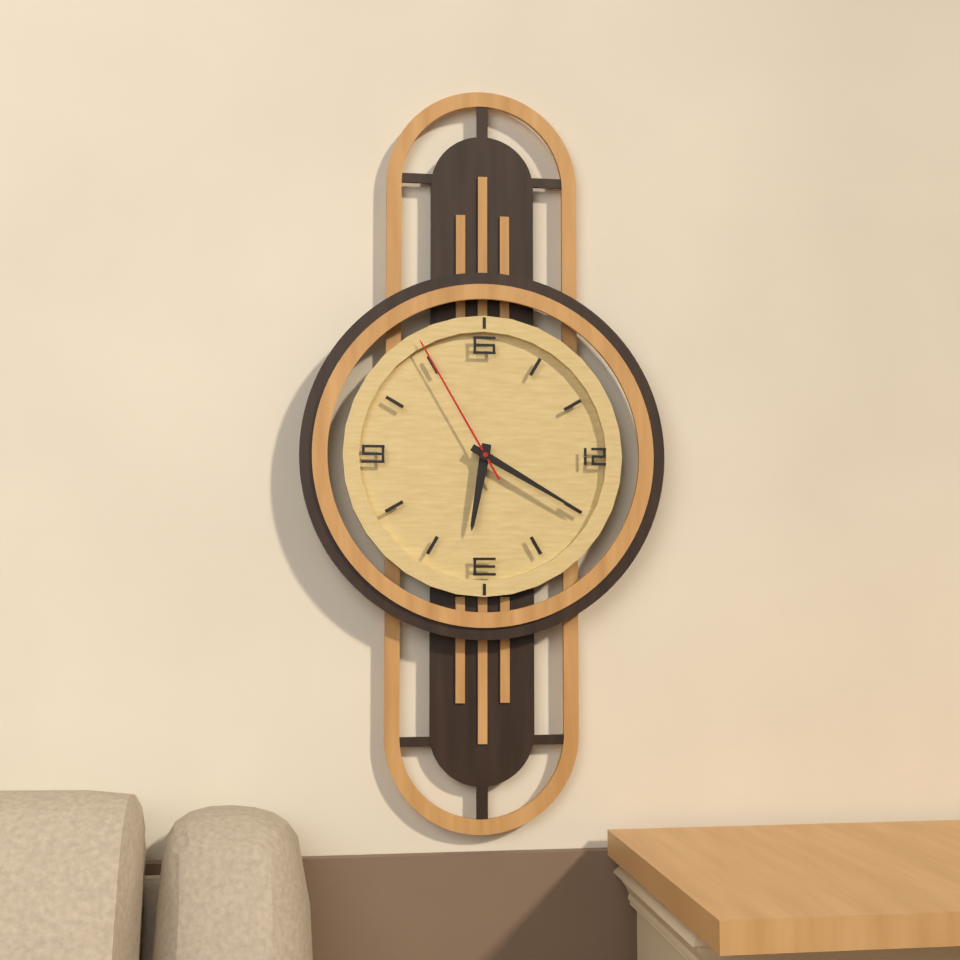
6,20,55
